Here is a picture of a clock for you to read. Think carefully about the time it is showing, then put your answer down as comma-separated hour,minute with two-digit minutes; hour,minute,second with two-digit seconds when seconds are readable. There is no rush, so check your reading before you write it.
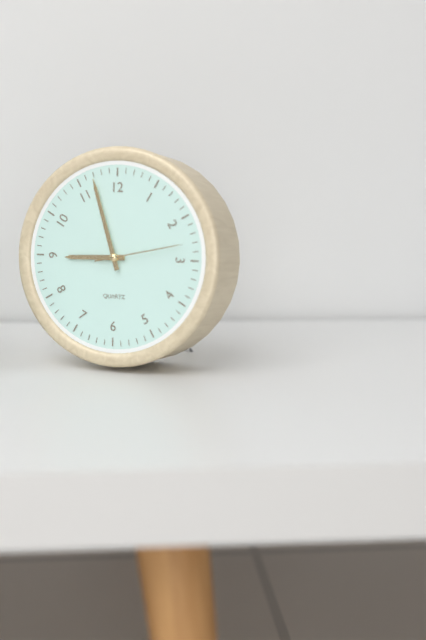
8,57,13
